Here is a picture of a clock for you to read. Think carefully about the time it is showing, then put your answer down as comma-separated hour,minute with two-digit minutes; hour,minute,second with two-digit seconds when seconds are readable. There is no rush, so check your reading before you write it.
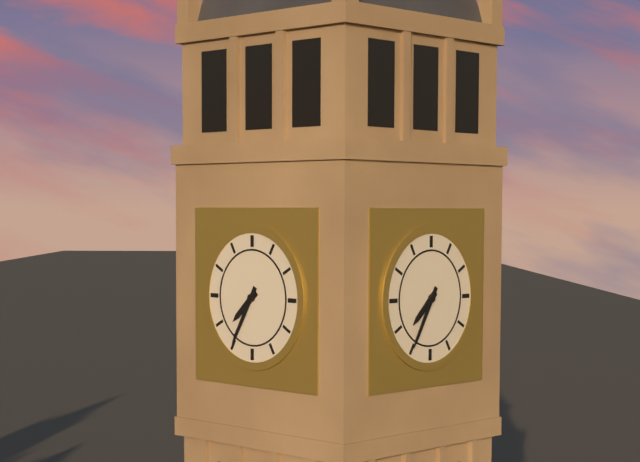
7,35
